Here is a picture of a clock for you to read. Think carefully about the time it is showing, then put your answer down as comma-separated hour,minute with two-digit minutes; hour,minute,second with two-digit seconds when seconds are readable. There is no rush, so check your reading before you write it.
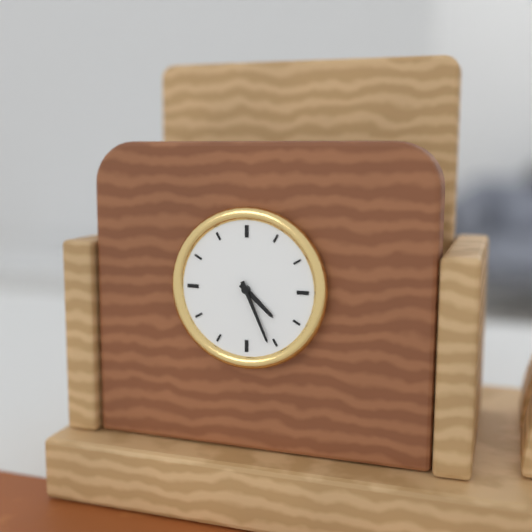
4,26
